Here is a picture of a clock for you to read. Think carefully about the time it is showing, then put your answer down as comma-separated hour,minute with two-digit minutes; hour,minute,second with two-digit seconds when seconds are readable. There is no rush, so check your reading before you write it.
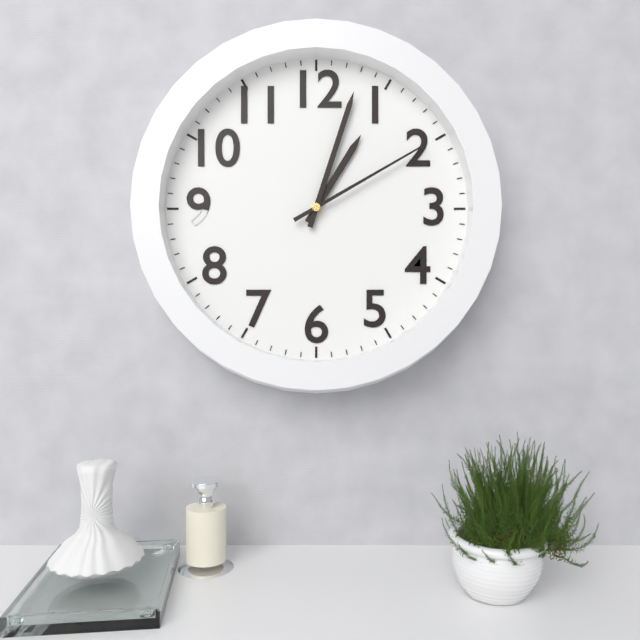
1,03,10
